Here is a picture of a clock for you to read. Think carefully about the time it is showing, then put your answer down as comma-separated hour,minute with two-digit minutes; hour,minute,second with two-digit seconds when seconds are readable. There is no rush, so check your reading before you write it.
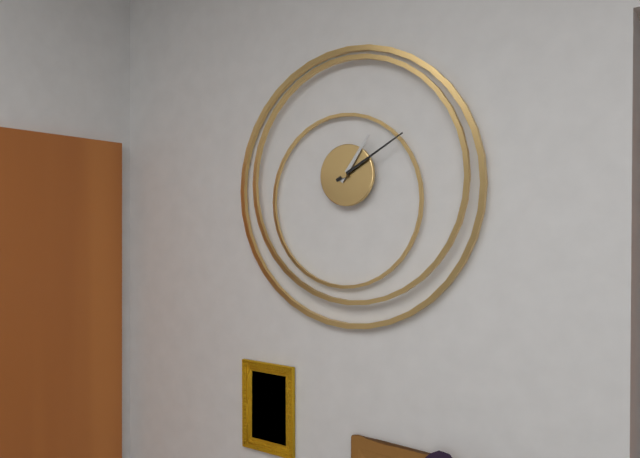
1,10
